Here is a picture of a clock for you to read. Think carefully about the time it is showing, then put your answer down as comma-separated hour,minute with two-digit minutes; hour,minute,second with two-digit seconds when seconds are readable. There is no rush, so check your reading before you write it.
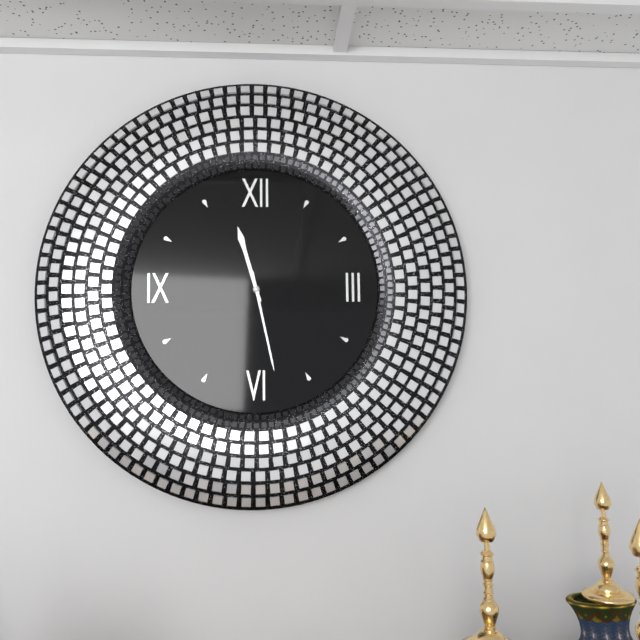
11,28
